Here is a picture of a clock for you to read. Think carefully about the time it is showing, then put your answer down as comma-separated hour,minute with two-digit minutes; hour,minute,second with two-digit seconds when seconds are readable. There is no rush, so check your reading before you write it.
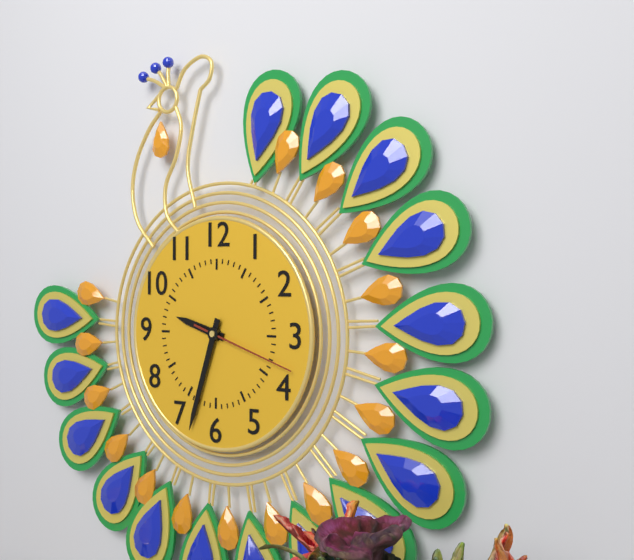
9,33,18
